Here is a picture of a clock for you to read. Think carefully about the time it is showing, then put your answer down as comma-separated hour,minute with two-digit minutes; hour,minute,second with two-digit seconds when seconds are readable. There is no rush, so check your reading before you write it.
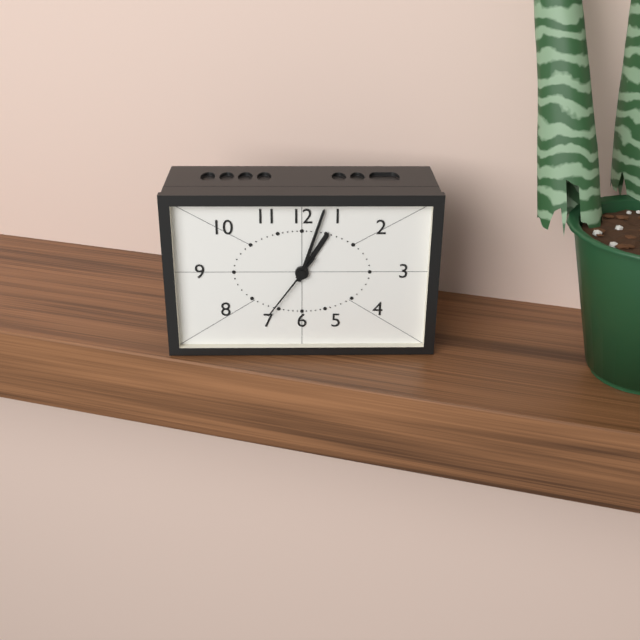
1,03,36
